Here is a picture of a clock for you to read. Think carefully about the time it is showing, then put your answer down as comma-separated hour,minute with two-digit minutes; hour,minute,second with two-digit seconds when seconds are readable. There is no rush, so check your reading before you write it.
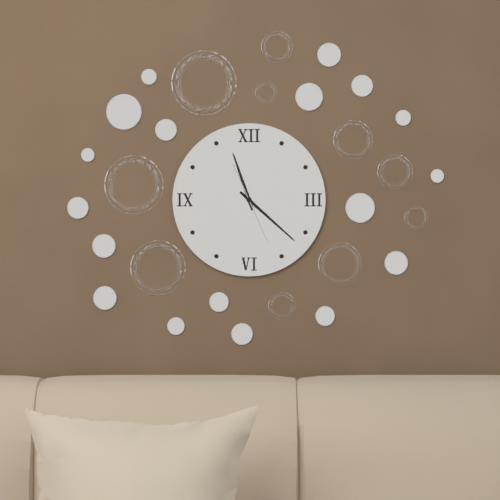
11,22,26
